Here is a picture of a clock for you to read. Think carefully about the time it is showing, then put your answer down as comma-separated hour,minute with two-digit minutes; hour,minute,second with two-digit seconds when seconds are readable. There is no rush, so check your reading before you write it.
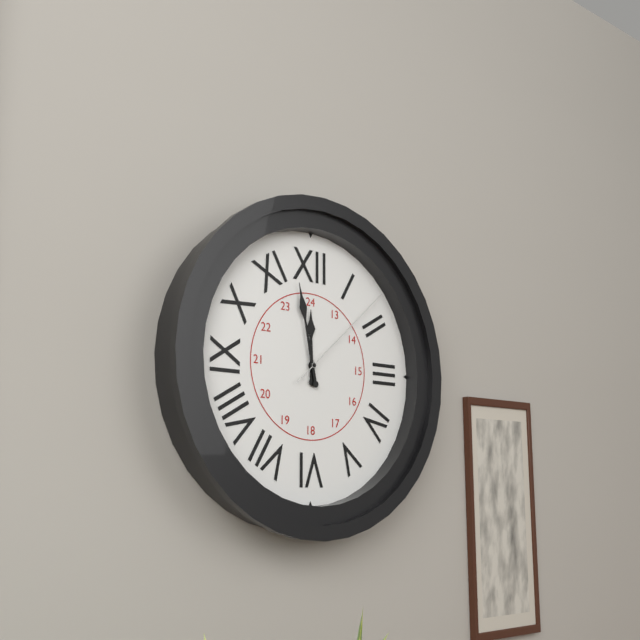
11,58,08
